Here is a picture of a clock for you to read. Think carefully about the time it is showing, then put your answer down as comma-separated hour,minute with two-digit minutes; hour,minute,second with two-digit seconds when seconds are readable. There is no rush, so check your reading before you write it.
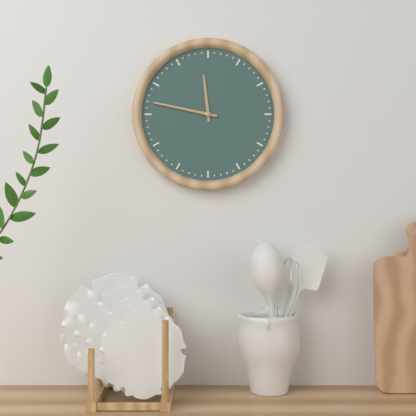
11,47
